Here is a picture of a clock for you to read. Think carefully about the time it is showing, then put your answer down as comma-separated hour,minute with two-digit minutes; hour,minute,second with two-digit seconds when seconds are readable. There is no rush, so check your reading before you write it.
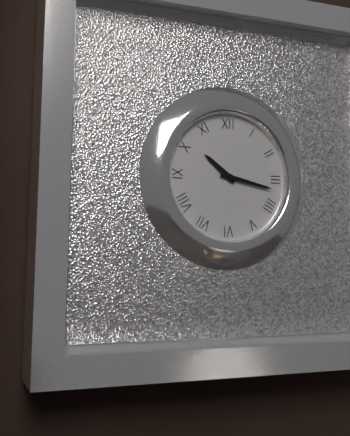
10,17
